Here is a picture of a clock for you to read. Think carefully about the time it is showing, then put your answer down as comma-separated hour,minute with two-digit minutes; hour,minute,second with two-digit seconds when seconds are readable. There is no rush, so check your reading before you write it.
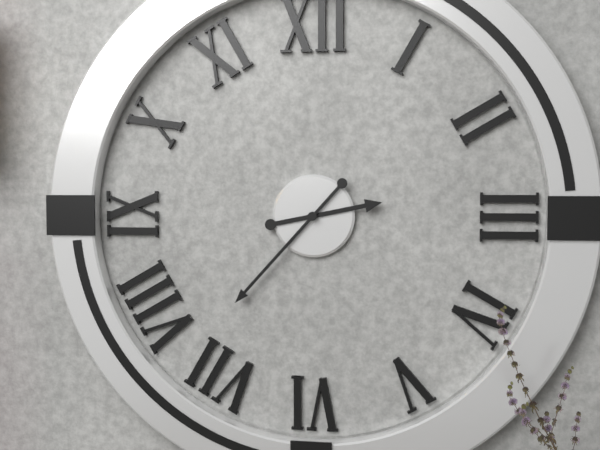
2,37
